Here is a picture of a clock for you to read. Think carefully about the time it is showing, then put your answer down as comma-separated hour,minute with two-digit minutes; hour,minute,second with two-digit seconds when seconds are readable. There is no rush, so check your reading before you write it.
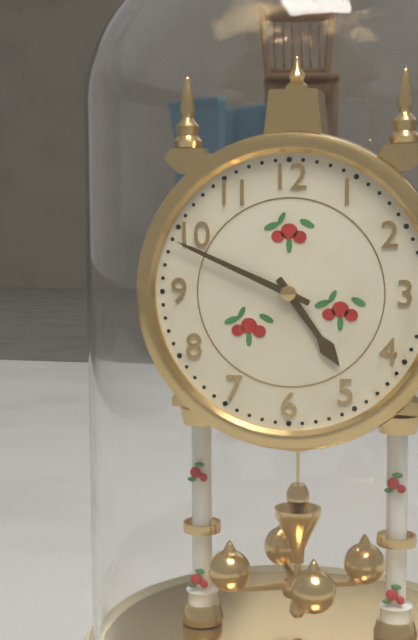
4,49
